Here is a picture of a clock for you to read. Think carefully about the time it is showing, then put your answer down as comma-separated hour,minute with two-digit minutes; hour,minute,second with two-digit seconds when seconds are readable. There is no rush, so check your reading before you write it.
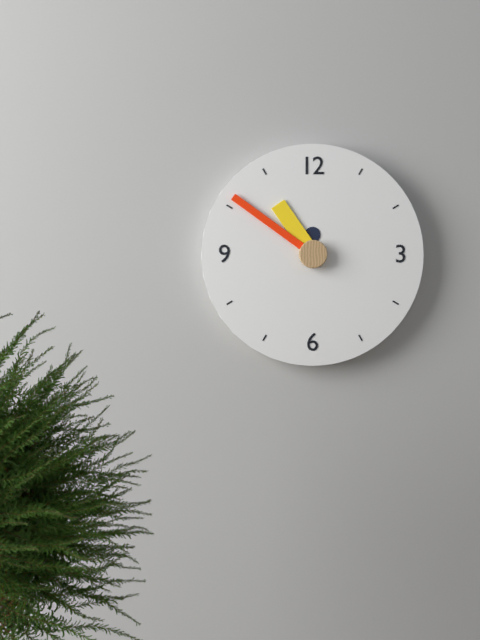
10,51
